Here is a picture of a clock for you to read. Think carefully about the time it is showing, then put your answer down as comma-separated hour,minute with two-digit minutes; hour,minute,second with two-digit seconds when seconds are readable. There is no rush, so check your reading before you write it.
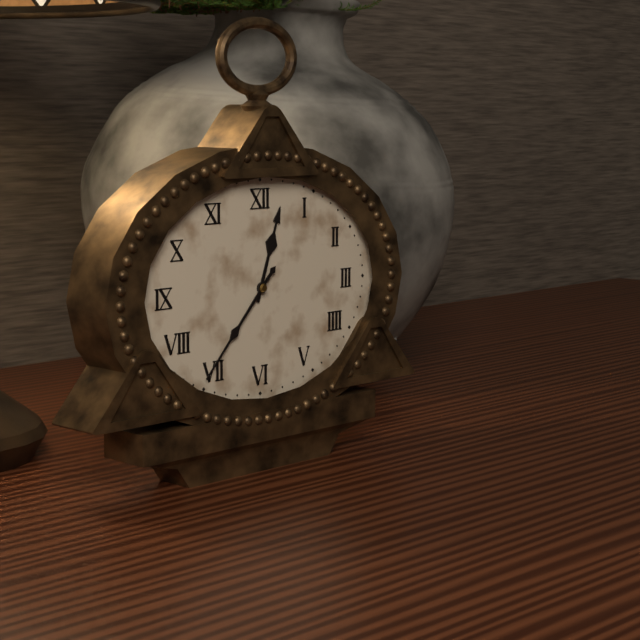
12,37
